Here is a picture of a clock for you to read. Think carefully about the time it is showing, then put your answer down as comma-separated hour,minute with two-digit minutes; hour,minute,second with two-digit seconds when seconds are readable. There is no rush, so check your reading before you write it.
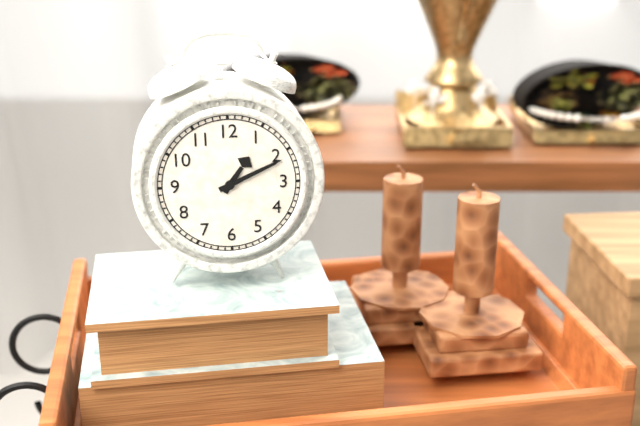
1,11
